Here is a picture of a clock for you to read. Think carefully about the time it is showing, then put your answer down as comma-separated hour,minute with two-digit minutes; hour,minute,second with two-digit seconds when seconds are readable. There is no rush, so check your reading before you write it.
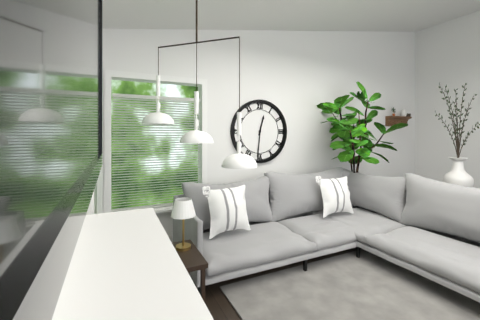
12,31
